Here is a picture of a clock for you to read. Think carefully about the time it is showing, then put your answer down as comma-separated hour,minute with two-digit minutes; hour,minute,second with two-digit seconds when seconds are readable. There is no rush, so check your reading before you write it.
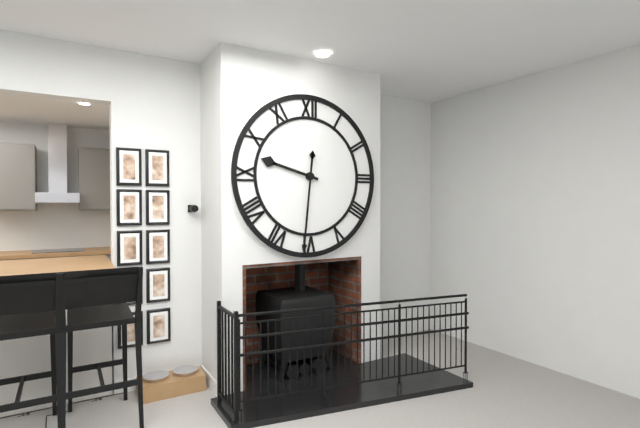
9,31
